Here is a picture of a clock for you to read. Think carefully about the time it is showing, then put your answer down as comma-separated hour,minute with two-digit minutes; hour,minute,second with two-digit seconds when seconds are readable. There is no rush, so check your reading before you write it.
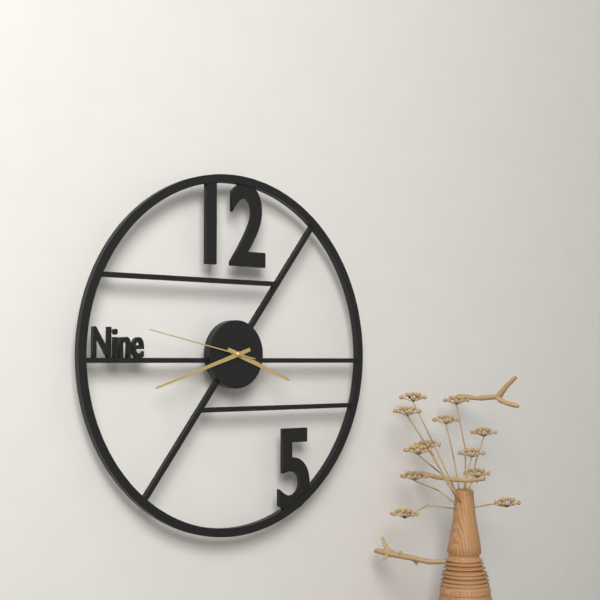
3,42,47
